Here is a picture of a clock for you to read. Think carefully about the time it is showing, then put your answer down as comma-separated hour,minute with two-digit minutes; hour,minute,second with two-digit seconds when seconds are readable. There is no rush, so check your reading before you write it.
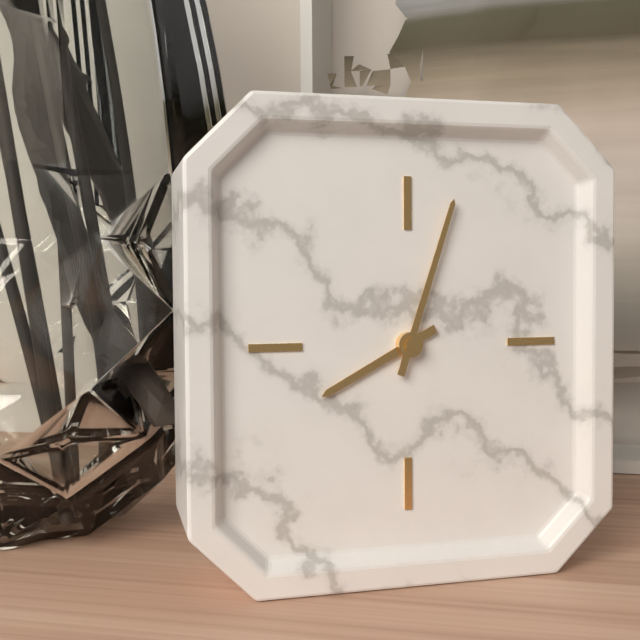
8,03
